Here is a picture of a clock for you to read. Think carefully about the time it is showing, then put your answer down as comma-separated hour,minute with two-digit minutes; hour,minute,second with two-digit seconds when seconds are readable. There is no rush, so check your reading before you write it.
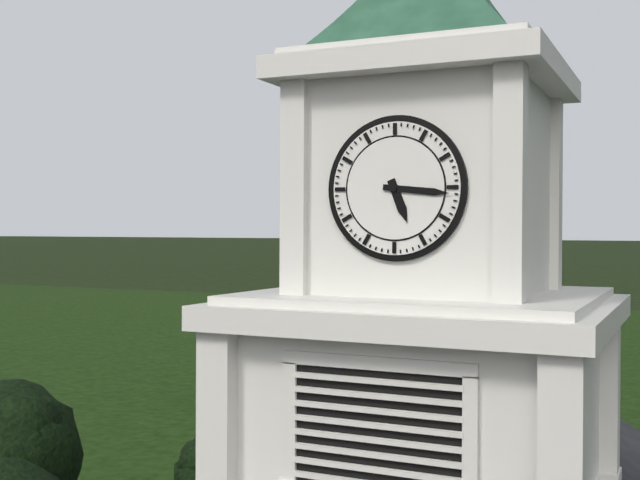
5,16
